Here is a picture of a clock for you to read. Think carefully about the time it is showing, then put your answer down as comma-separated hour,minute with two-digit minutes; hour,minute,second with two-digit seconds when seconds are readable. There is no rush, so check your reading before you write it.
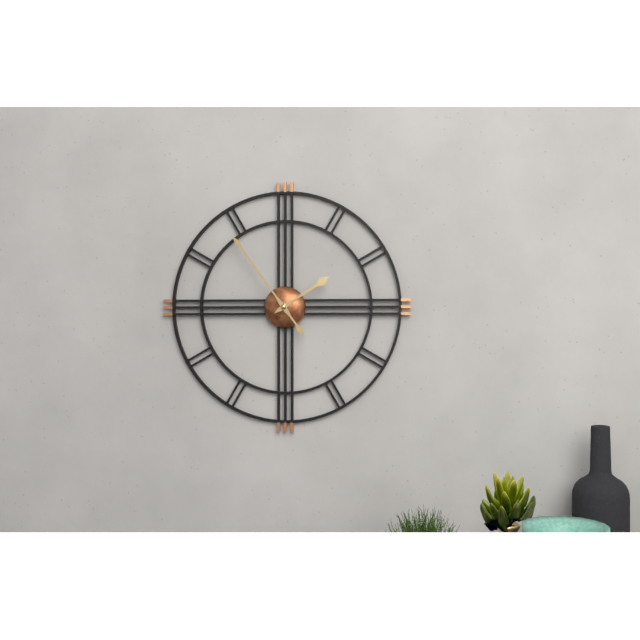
1,54
